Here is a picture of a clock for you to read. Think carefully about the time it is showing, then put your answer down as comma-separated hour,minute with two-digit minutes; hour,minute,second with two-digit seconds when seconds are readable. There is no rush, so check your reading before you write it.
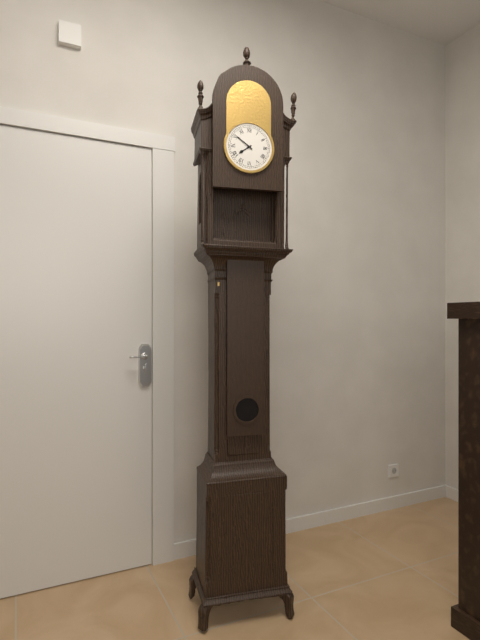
7,51
